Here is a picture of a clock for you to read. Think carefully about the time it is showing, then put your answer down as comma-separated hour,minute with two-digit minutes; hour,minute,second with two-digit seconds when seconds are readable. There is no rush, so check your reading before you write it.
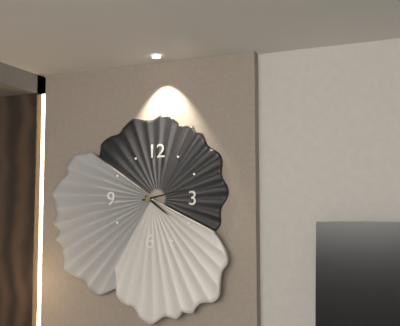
4,13
